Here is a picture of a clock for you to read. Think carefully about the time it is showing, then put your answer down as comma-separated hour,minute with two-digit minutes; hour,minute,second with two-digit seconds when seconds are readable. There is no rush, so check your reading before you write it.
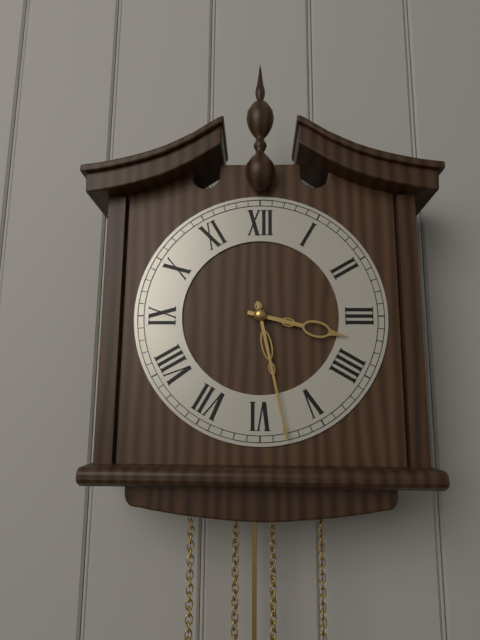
3,28
